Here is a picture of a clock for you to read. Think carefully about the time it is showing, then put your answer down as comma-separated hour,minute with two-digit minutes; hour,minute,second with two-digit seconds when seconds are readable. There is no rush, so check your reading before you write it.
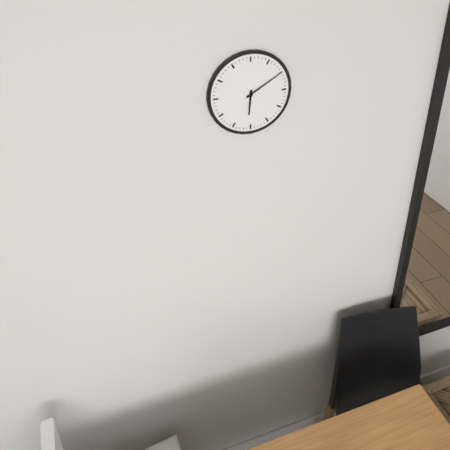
6,10
